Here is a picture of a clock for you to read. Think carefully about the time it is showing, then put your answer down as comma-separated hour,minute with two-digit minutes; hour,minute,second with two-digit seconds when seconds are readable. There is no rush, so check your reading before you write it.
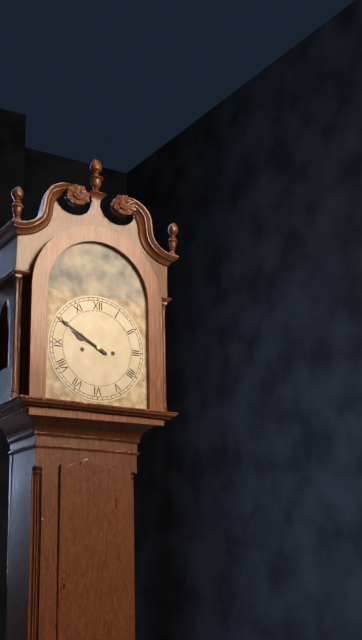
9,50
